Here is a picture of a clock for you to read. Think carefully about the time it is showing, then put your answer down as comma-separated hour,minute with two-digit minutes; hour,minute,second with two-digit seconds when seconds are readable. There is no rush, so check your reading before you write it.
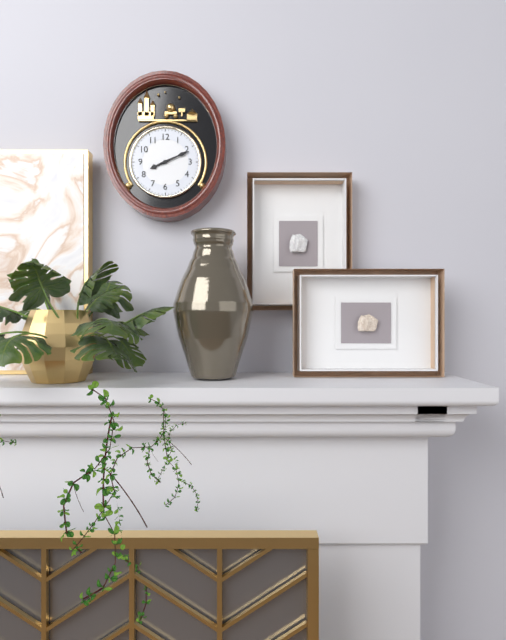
8,11
